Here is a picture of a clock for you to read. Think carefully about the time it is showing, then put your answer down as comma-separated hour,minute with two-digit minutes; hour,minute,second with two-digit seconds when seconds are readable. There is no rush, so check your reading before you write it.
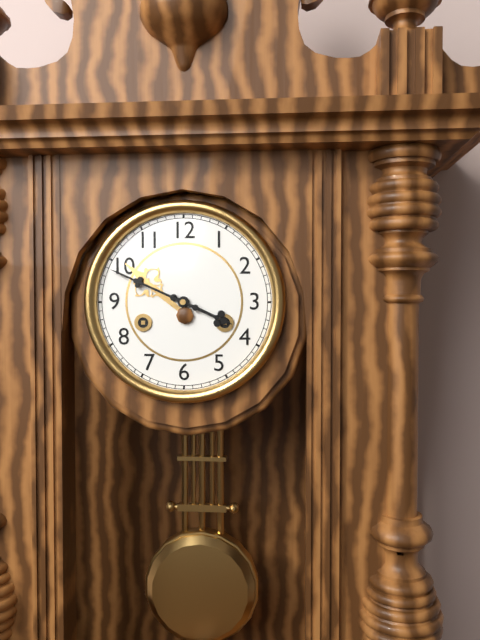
3,49
